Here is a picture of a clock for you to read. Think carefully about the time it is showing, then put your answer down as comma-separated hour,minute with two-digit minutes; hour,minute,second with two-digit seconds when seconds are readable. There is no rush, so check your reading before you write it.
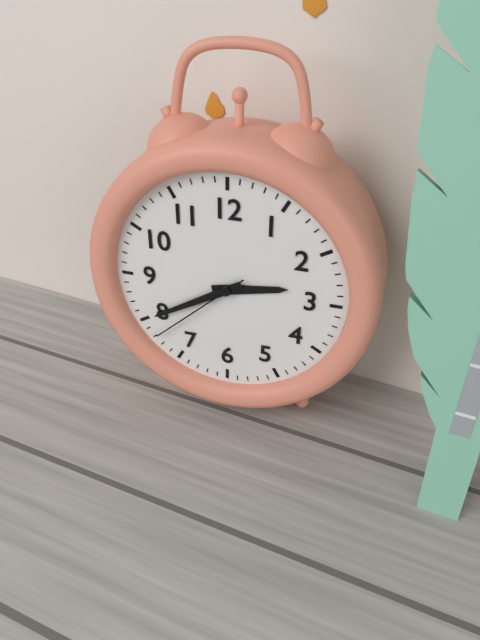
2,40,38
